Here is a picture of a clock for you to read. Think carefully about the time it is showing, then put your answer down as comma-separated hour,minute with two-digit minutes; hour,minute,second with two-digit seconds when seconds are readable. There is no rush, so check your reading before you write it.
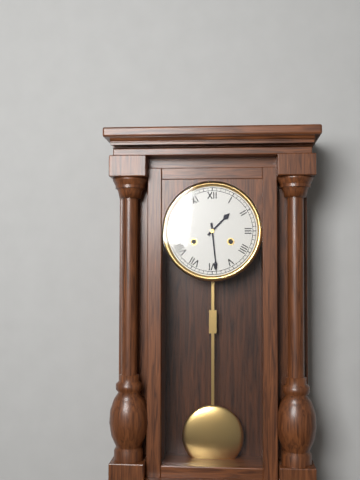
1,29
